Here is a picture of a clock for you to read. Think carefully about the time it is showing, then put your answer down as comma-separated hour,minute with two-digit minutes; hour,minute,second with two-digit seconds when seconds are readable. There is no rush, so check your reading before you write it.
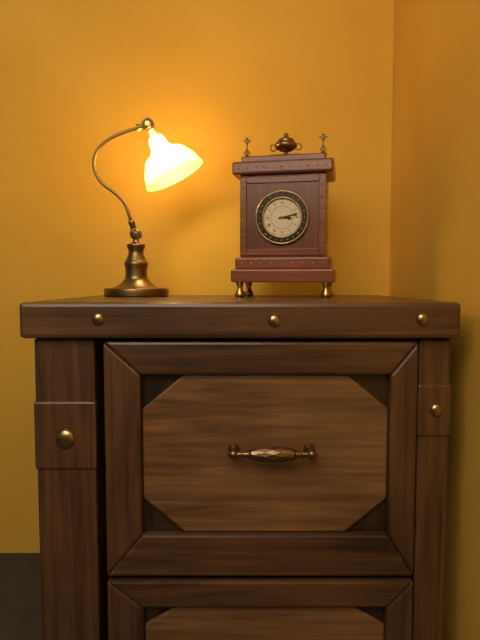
3,13
